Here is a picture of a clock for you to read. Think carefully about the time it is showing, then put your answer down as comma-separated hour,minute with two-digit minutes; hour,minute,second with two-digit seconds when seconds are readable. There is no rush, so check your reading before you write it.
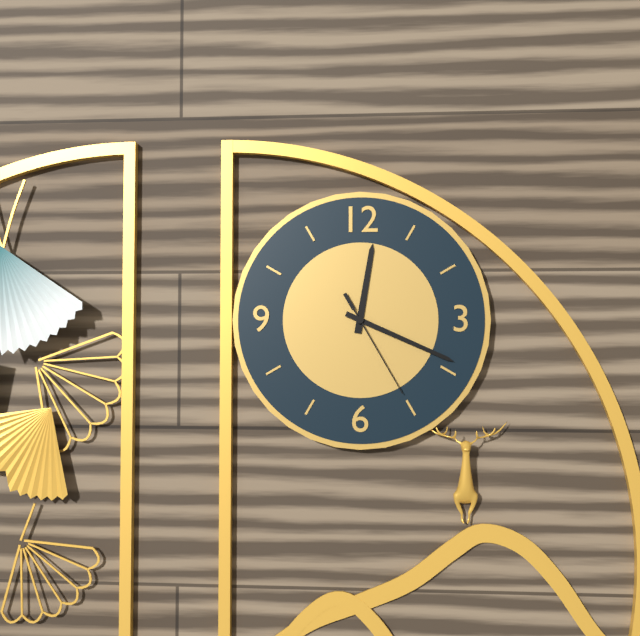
12,19,25
